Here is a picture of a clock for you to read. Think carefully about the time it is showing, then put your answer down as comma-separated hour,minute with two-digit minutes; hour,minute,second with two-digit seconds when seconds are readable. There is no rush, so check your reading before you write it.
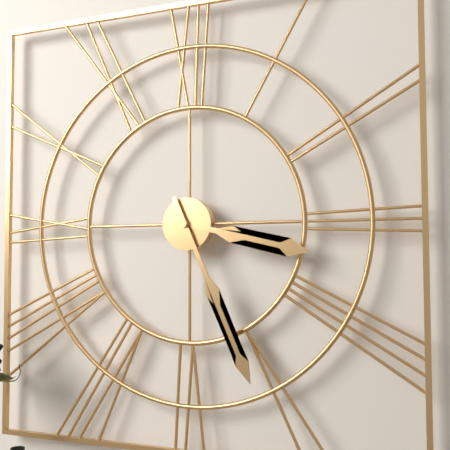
3,26
